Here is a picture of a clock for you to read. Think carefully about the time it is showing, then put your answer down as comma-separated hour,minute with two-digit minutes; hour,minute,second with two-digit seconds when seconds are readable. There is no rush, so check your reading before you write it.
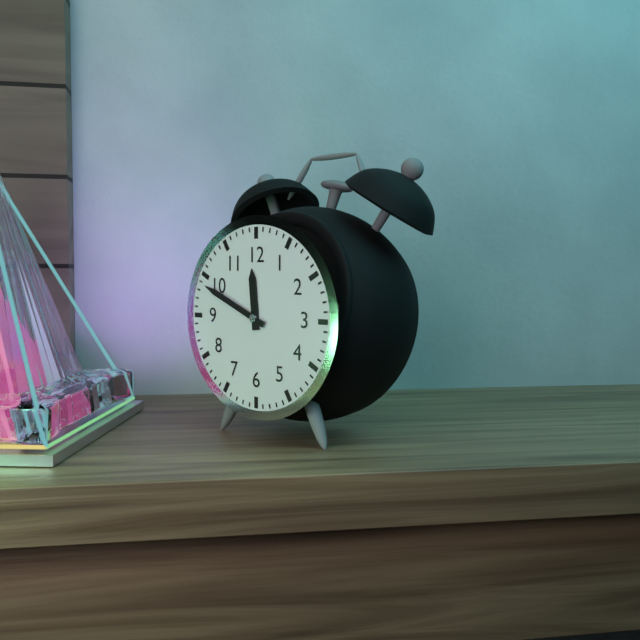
11,49
